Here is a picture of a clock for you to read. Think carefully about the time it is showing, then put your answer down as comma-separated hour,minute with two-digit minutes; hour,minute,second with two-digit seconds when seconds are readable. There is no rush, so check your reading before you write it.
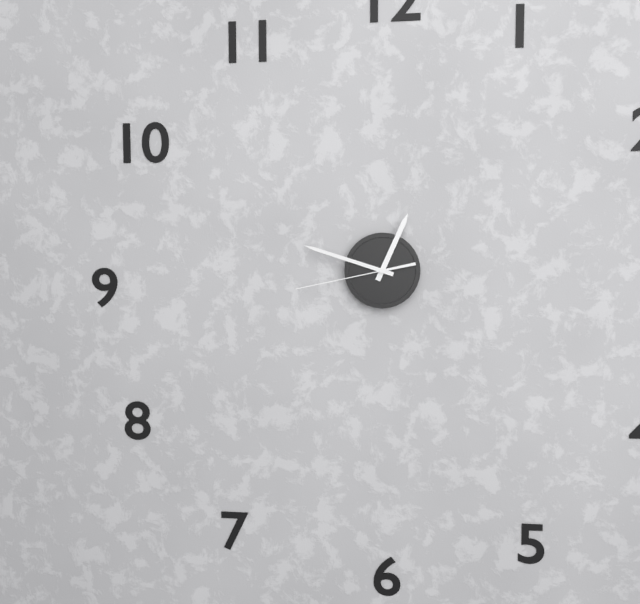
12,48,43
